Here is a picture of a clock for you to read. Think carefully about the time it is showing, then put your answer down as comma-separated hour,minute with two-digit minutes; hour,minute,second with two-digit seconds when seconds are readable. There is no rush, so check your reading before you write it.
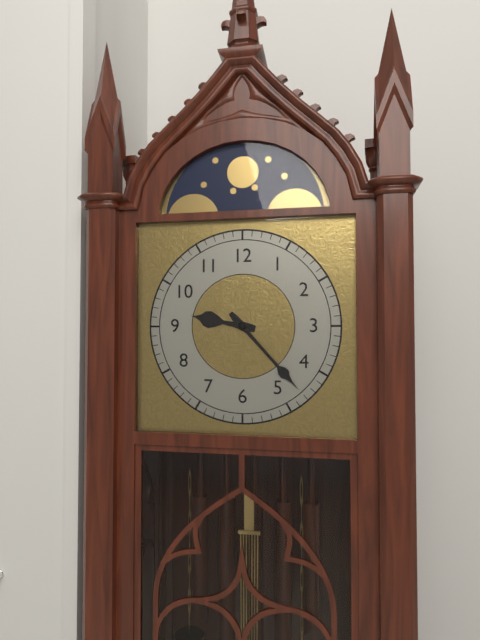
9,23
